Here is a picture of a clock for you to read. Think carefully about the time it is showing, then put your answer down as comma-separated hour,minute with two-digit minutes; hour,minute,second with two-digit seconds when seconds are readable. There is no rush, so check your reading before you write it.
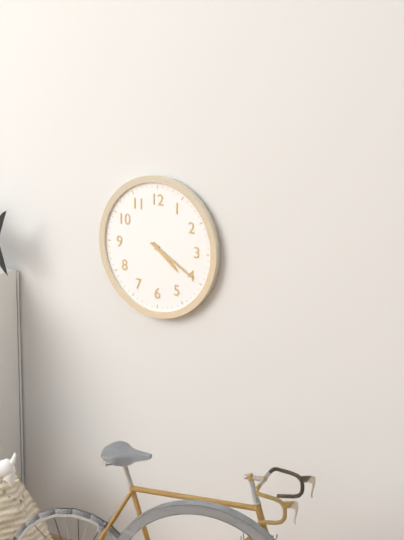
4,20
